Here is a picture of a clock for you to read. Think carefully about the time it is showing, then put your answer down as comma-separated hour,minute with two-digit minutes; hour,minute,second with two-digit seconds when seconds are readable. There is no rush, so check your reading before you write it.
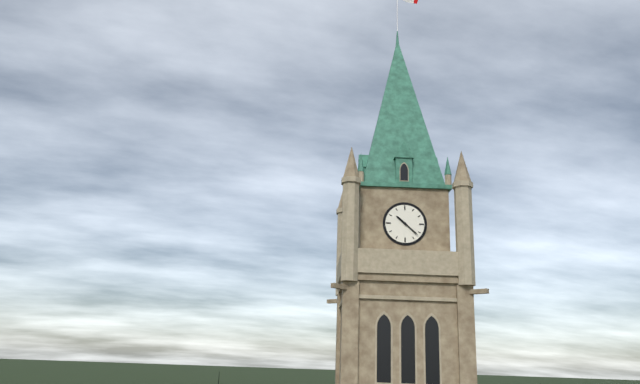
10,22
